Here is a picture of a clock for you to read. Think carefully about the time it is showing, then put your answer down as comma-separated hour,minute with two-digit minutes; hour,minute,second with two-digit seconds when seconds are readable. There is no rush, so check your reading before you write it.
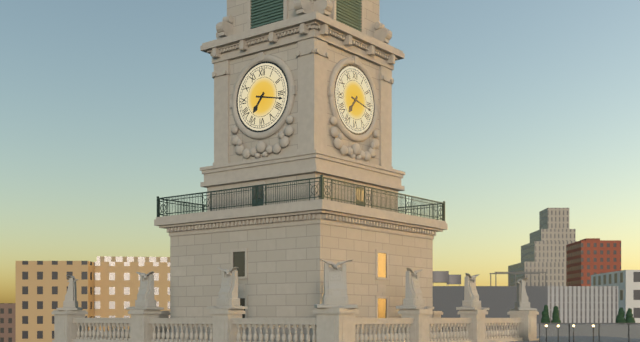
7,17
